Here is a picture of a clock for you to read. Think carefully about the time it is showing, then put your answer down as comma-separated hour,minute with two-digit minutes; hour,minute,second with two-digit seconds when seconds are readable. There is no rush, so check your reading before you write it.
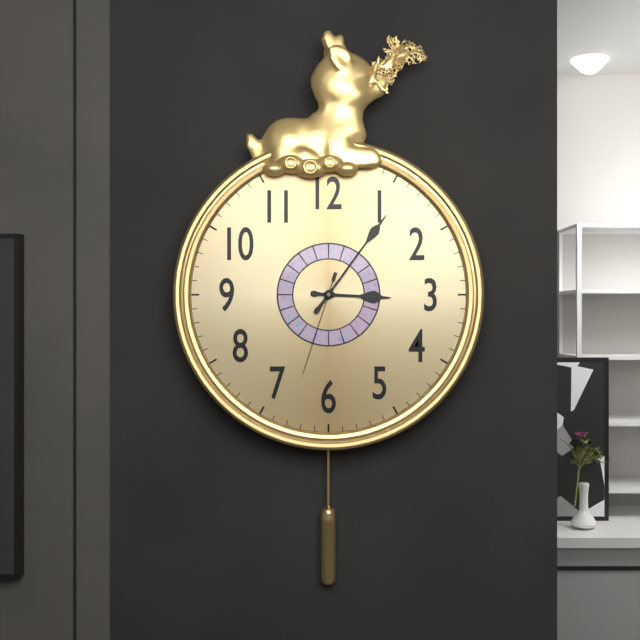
3,06,33
